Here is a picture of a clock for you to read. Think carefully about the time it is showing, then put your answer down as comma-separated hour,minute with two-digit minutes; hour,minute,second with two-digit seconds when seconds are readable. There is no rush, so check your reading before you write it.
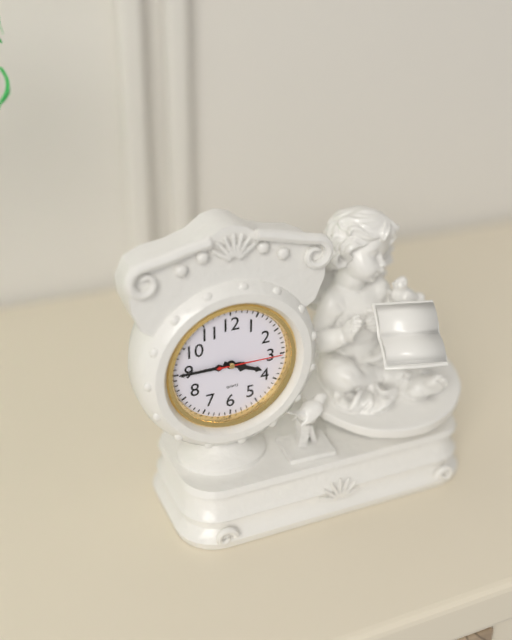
3,45,15
